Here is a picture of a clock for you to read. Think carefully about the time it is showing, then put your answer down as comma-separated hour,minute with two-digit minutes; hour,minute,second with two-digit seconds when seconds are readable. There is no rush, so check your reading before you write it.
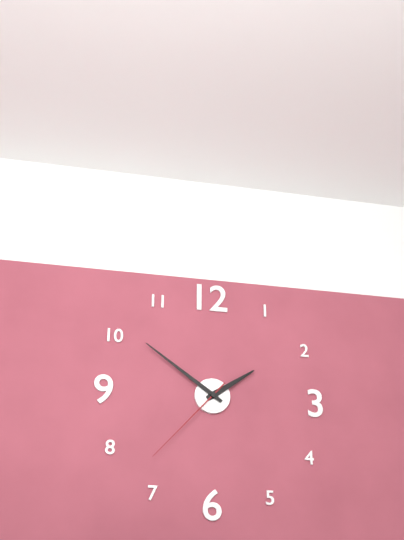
1,51,37
